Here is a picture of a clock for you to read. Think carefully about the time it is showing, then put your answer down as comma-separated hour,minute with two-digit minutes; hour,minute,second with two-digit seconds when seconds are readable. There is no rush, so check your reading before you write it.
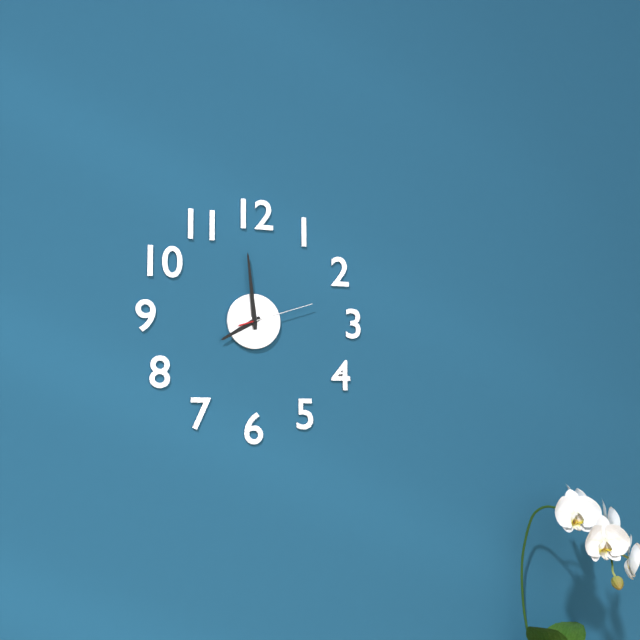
7,59,12
